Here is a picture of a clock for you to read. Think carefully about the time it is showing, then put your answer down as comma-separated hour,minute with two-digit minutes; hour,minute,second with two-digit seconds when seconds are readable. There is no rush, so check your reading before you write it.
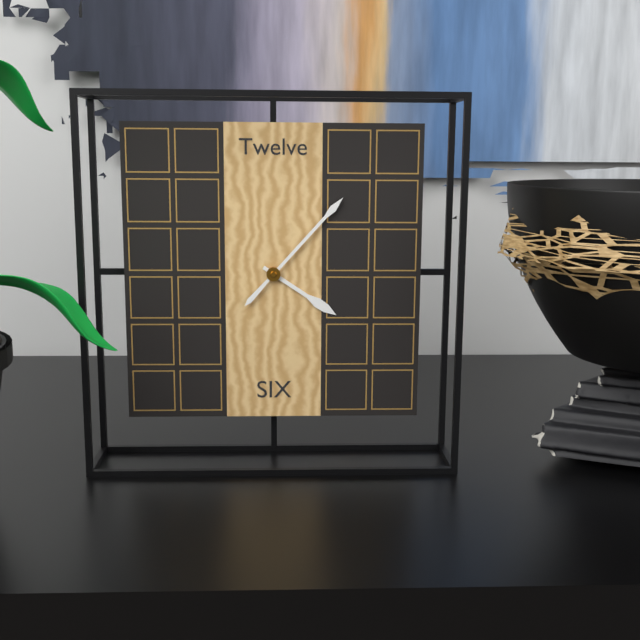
4,07
